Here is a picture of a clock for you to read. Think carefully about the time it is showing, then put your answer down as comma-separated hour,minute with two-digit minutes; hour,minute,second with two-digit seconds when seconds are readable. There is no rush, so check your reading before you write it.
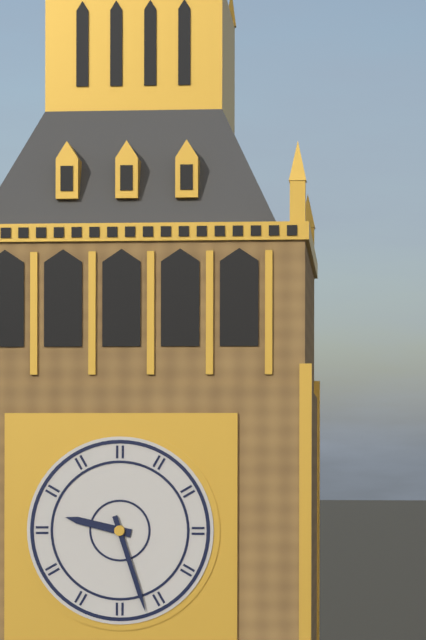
9,27
